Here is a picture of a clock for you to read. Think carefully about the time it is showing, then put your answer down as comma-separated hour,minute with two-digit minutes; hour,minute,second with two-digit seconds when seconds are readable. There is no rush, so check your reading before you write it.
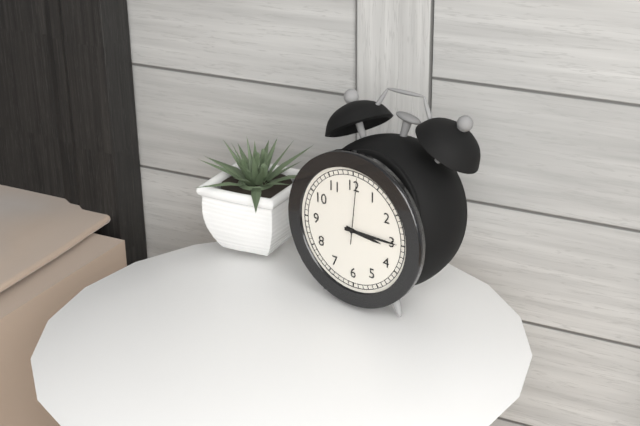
3,15,01
